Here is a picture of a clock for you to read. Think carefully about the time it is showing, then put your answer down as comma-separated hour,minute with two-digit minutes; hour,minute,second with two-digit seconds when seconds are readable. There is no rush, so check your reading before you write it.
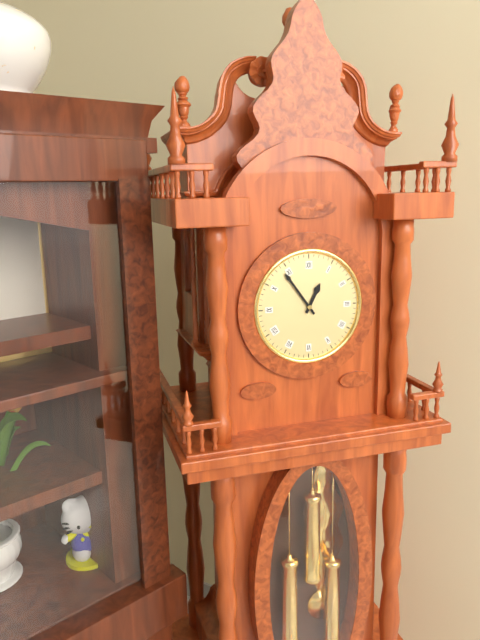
12,54
